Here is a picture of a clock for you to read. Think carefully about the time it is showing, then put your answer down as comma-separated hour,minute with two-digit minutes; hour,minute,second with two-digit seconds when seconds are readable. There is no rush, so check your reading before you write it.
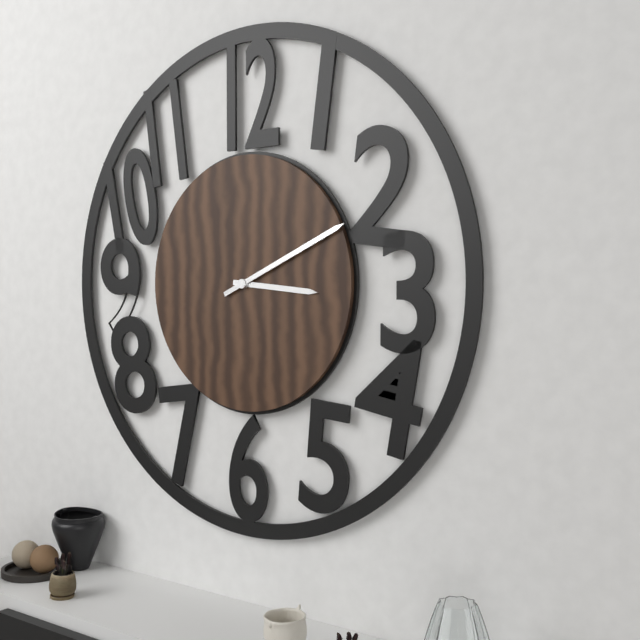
3,11
